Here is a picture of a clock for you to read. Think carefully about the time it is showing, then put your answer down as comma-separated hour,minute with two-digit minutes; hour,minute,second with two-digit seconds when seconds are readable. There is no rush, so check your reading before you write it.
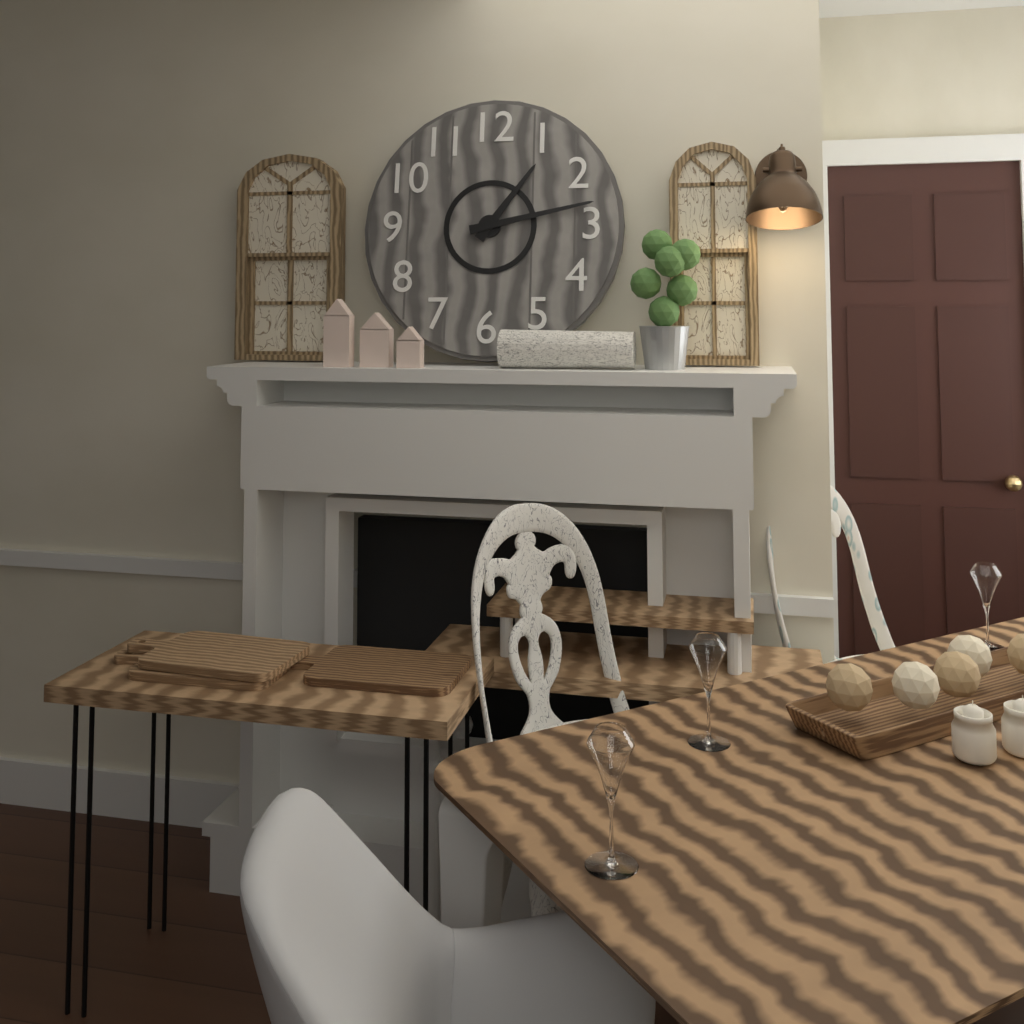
1,13
